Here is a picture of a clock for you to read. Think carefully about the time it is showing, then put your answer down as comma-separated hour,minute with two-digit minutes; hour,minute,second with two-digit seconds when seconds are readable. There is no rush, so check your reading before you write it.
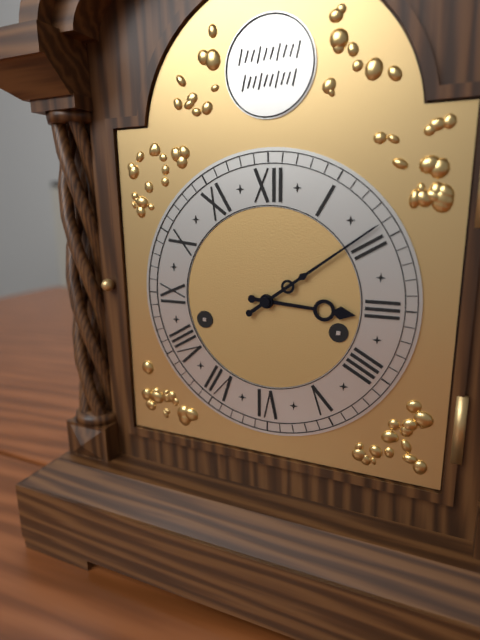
3,09
